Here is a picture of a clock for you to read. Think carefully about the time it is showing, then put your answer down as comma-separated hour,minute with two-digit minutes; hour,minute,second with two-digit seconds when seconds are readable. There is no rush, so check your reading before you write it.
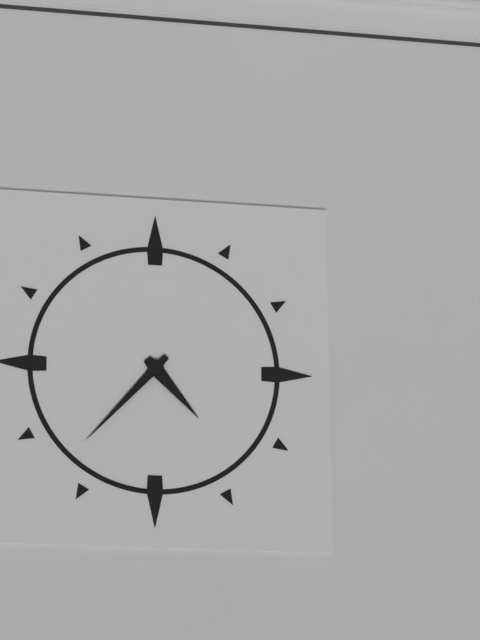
4,37
